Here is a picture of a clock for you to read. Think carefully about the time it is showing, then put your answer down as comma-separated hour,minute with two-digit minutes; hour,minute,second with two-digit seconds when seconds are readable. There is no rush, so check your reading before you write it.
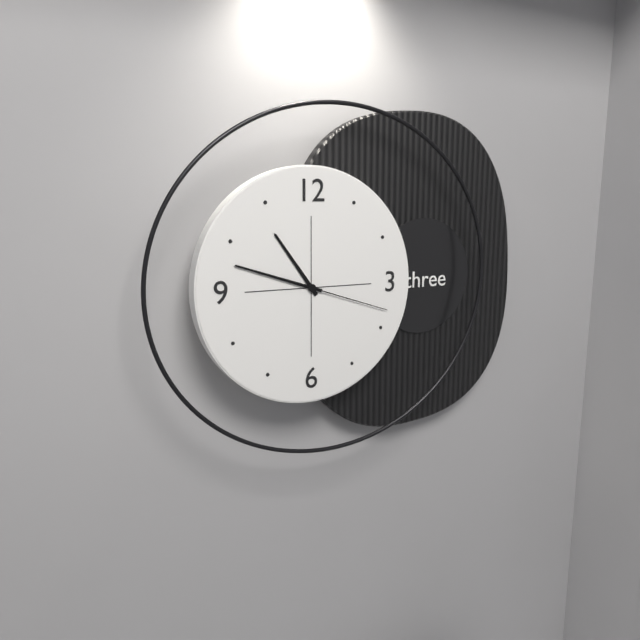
10,48,18
